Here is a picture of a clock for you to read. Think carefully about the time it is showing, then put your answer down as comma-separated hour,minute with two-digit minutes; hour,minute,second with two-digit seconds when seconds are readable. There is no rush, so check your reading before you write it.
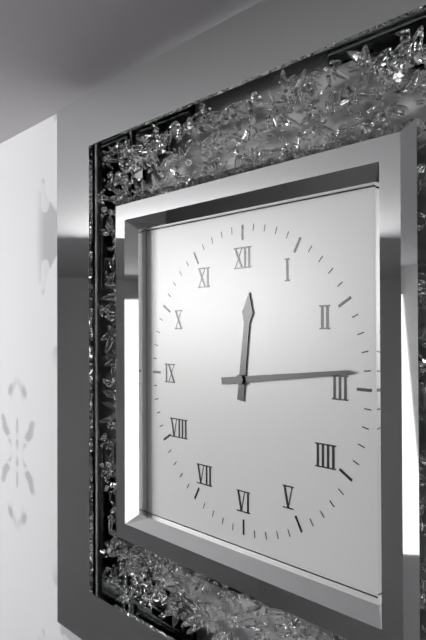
12,14
